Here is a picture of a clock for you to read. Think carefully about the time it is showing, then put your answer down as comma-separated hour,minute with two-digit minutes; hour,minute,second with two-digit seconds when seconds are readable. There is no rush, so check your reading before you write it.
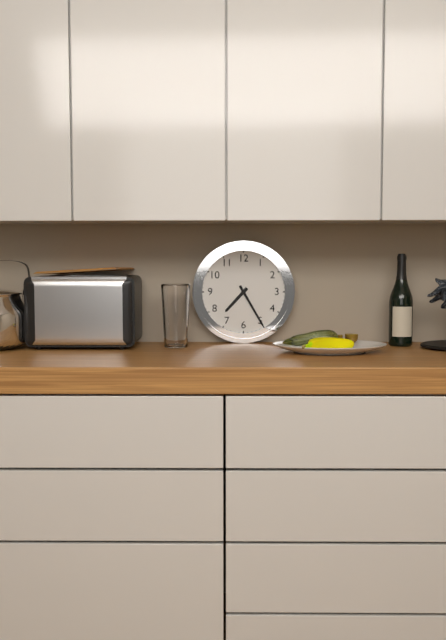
7,25
